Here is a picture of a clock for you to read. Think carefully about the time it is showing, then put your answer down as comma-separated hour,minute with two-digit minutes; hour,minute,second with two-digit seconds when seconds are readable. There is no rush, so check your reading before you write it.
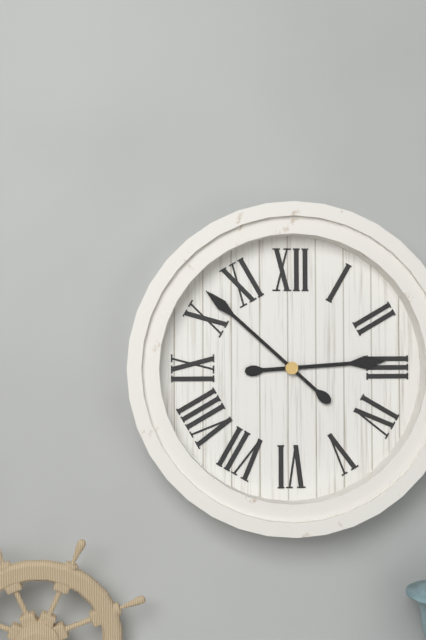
2,52
